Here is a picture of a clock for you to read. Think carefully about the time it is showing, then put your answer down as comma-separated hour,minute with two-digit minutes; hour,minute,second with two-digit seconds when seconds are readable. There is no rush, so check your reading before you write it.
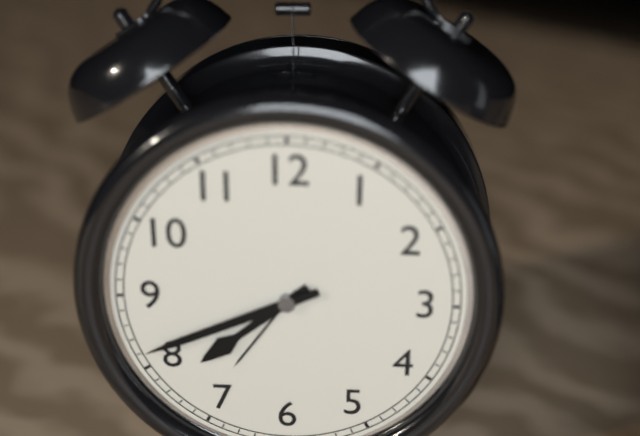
7,41
